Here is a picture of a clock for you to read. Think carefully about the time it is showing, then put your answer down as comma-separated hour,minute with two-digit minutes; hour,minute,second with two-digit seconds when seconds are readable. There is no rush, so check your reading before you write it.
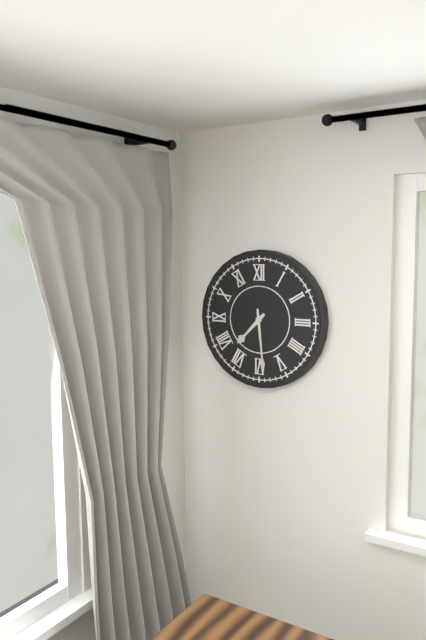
7,29
